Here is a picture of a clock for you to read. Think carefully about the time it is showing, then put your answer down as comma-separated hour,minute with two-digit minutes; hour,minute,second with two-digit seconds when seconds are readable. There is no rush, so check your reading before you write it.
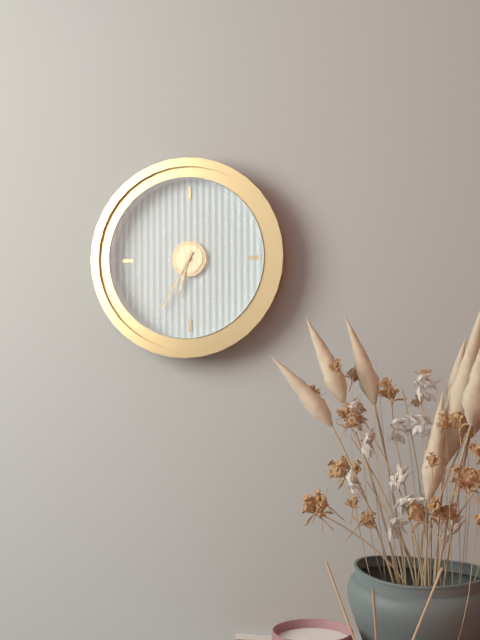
6,35
